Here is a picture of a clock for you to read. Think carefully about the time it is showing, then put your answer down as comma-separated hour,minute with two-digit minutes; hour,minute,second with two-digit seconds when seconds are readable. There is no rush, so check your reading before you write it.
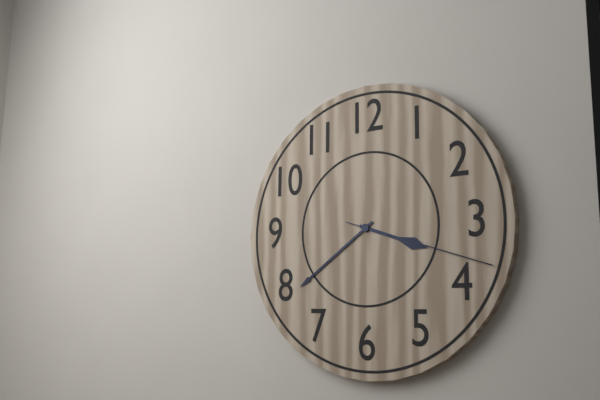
3,39,18
